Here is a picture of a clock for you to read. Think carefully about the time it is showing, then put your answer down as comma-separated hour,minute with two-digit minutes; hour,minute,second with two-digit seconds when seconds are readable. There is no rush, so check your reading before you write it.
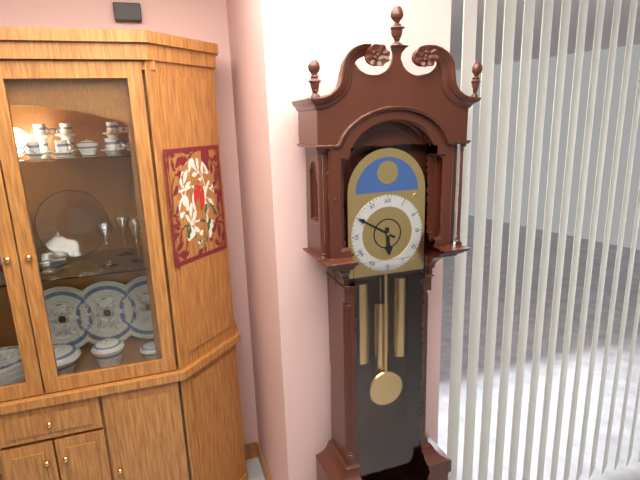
5,50
